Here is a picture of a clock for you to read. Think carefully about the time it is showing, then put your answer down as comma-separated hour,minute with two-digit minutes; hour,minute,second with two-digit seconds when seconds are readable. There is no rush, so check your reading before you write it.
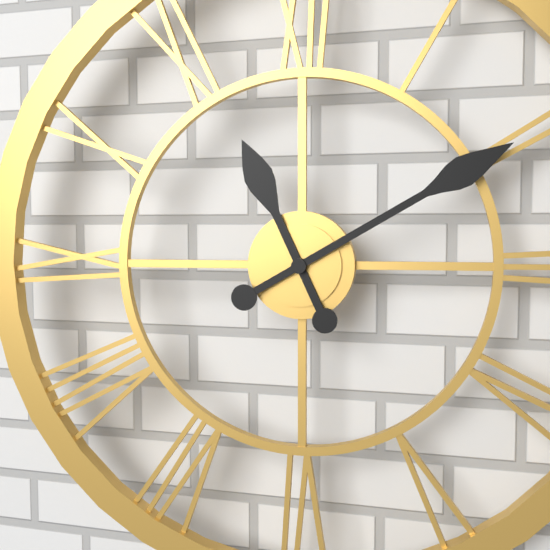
11,10
